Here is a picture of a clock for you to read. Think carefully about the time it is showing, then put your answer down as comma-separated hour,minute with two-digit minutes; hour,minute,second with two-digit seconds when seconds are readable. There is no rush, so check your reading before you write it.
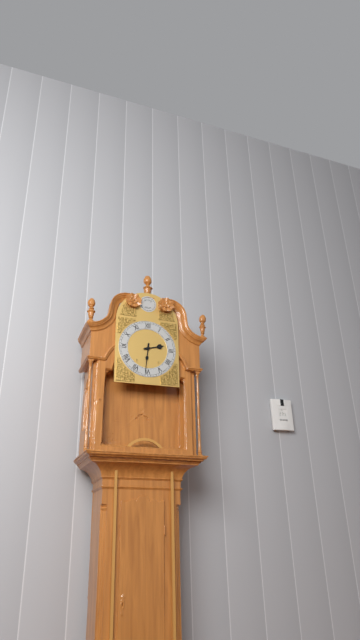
2,31
